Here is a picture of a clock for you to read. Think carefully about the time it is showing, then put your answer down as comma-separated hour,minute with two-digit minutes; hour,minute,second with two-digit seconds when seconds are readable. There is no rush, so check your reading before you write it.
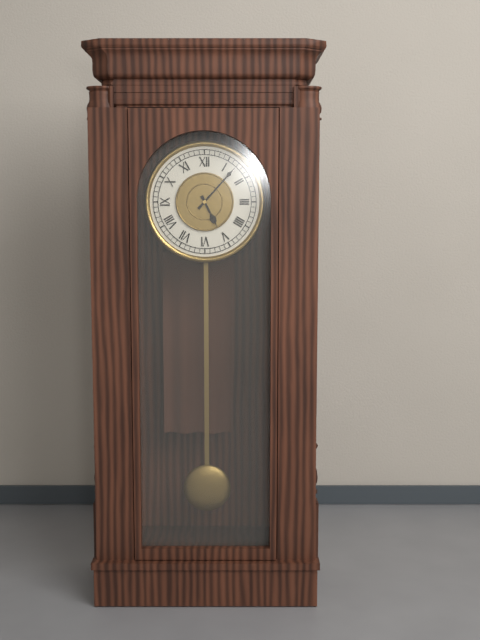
5,07
